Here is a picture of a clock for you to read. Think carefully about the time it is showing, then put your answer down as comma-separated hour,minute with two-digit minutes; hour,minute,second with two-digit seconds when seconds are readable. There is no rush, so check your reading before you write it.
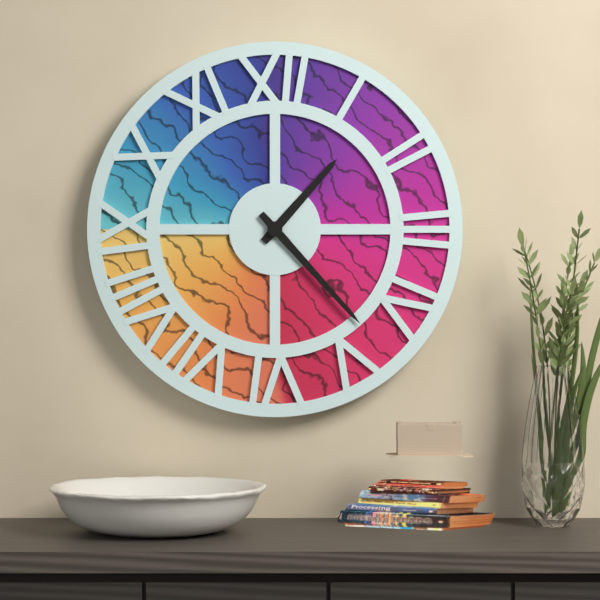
1,23
